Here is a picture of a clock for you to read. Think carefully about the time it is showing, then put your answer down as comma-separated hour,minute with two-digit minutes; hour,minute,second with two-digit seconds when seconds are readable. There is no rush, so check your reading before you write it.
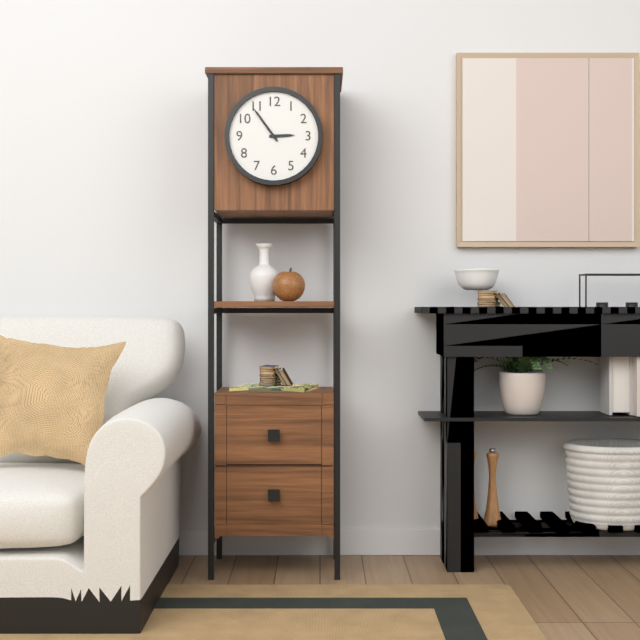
2,54
